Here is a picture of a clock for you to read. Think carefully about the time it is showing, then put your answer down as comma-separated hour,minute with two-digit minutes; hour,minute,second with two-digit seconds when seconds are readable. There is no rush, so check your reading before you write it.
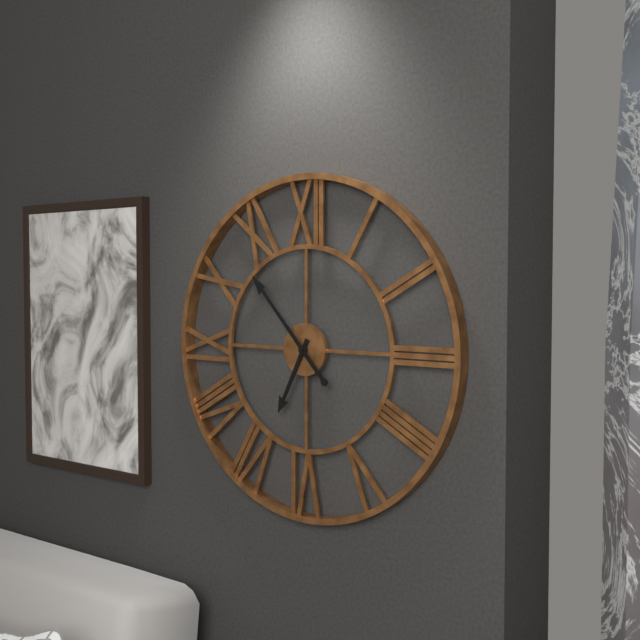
6,53
